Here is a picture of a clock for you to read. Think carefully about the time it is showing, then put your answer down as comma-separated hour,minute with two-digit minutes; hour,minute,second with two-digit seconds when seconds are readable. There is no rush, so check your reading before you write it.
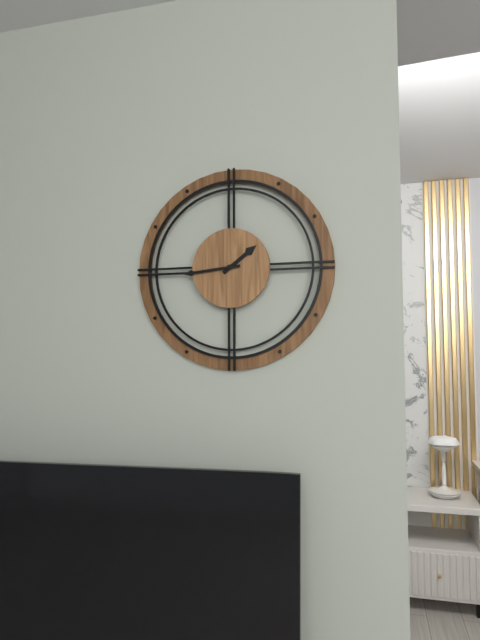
1,44
